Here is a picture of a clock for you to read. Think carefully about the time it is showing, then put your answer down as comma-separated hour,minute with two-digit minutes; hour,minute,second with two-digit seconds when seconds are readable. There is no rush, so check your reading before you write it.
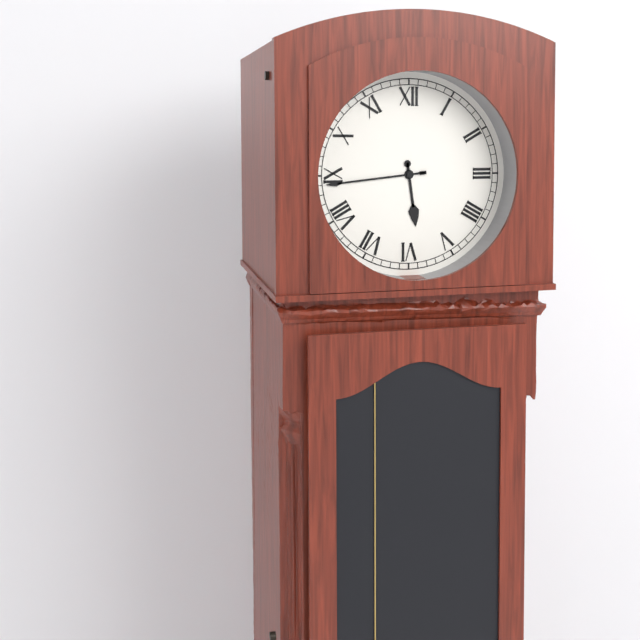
5,44
